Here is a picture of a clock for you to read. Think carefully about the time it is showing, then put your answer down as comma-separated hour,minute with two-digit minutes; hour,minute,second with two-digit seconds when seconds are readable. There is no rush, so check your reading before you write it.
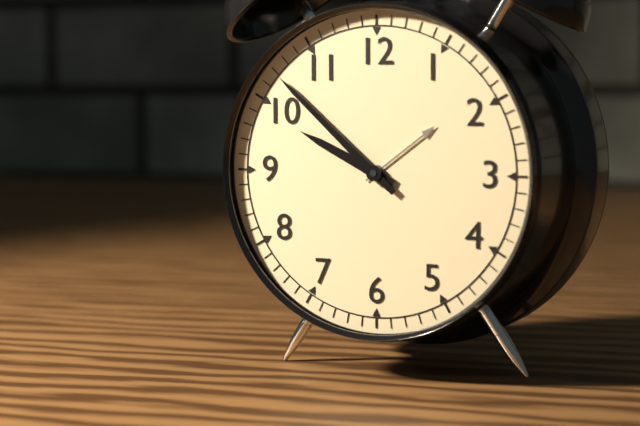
9,52
